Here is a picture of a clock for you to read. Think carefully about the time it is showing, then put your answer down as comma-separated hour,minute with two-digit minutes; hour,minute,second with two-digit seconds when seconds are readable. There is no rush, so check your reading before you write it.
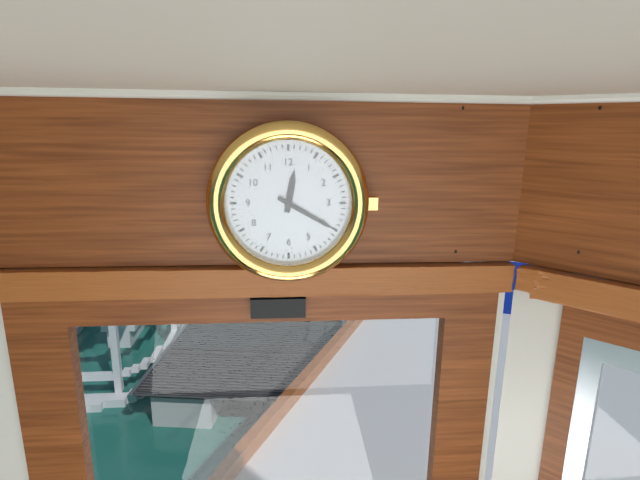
12,20
